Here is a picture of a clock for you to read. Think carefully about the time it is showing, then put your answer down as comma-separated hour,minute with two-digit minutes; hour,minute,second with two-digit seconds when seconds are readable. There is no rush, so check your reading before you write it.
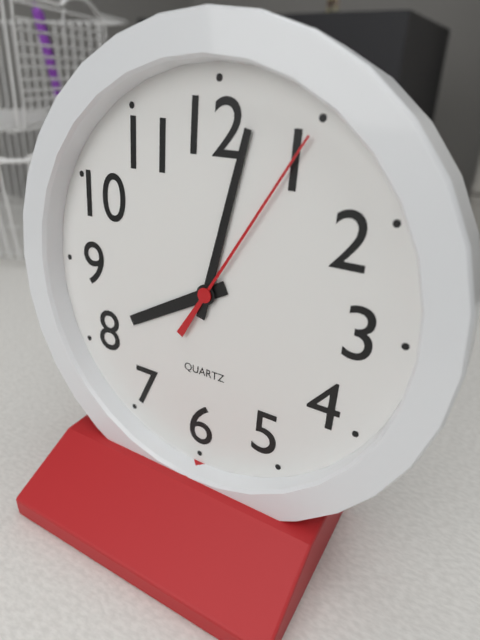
8,02,05
